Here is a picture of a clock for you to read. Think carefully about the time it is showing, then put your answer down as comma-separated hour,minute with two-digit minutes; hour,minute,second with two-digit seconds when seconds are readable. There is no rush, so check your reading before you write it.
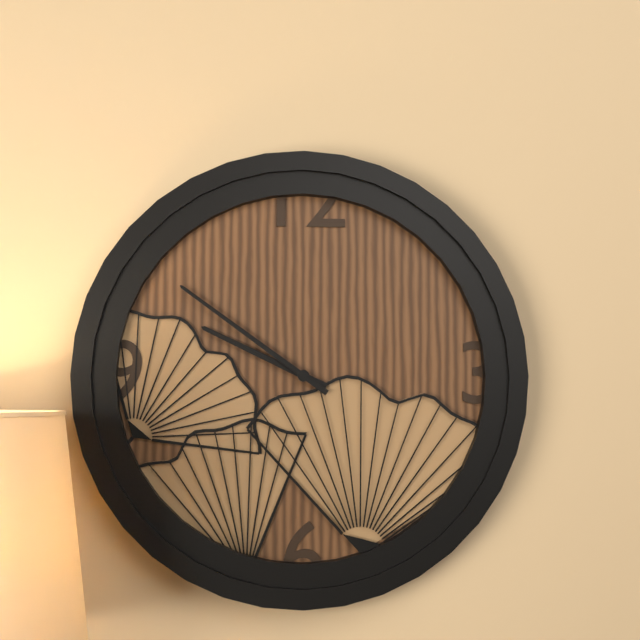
9,51
